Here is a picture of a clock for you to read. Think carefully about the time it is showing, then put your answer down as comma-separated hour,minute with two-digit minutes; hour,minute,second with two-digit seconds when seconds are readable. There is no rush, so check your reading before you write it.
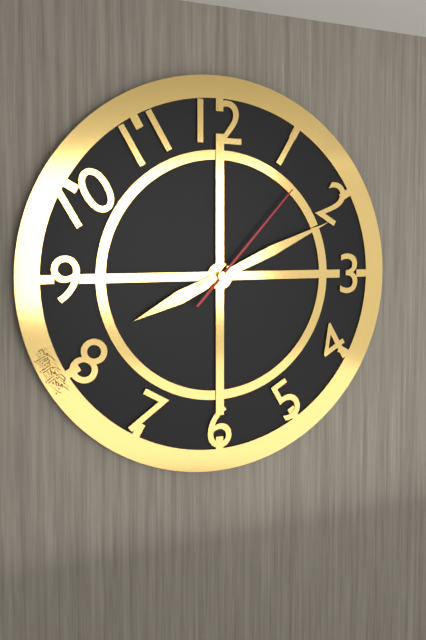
8,11,07
